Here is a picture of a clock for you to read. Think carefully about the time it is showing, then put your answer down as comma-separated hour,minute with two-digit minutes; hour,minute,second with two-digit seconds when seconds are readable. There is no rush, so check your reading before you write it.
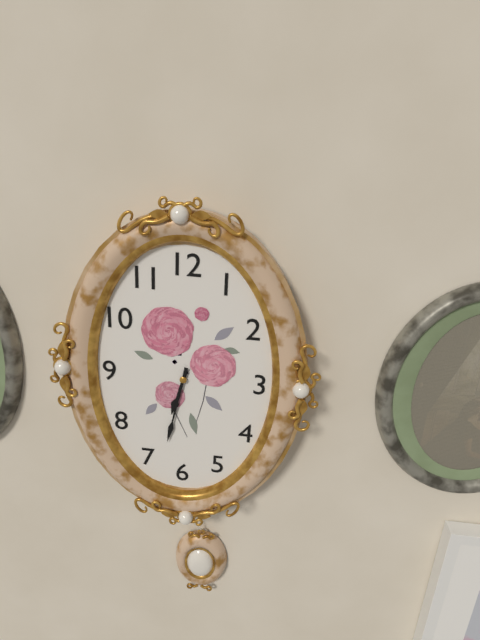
6,32
